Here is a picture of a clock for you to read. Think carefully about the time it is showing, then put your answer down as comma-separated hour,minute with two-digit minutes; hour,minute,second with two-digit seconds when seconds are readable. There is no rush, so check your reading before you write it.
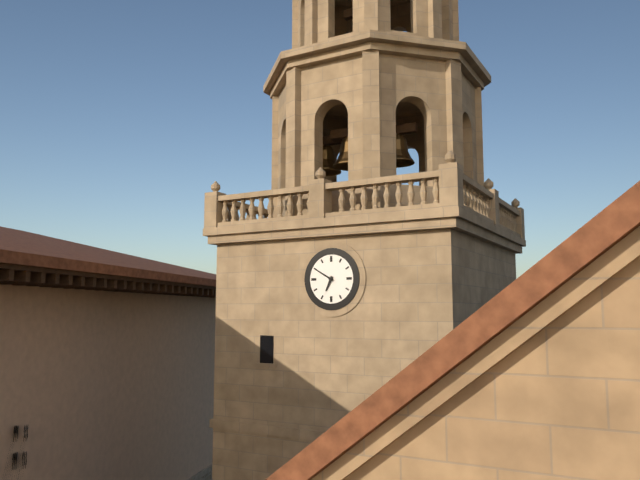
6,50
